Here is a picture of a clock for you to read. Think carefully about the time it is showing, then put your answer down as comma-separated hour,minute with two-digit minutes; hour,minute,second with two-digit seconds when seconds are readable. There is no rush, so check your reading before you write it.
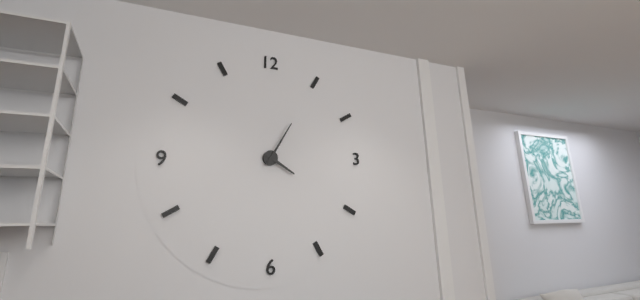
4,05
